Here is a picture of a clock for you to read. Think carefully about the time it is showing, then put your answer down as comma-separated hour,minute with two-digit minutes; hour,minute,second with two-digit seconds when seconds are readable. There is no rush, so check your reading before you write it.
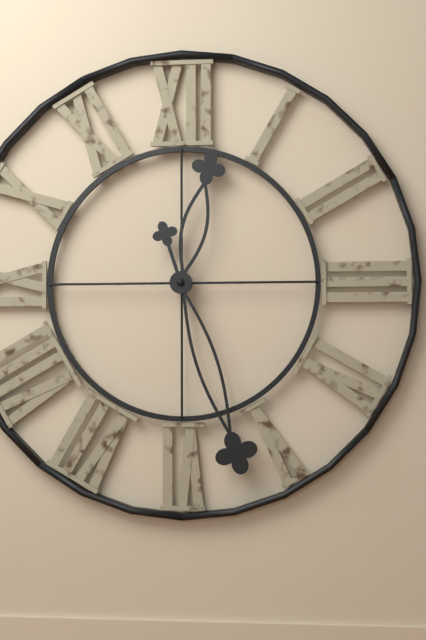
12,27
